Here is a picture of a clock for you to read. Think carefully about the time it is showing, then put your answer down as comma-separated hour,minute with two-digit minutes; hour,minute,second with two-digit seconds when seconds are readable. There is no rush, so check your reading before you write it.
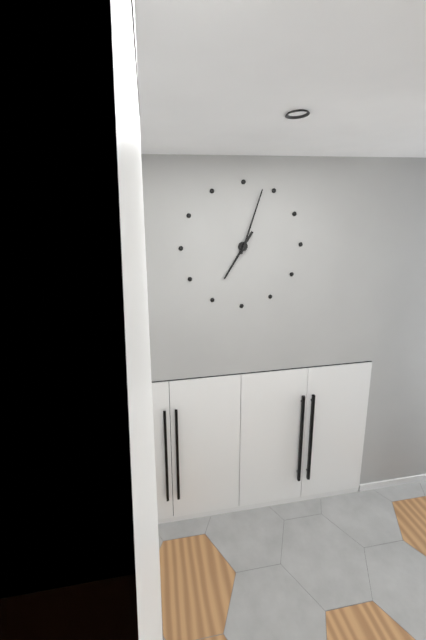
7,03
